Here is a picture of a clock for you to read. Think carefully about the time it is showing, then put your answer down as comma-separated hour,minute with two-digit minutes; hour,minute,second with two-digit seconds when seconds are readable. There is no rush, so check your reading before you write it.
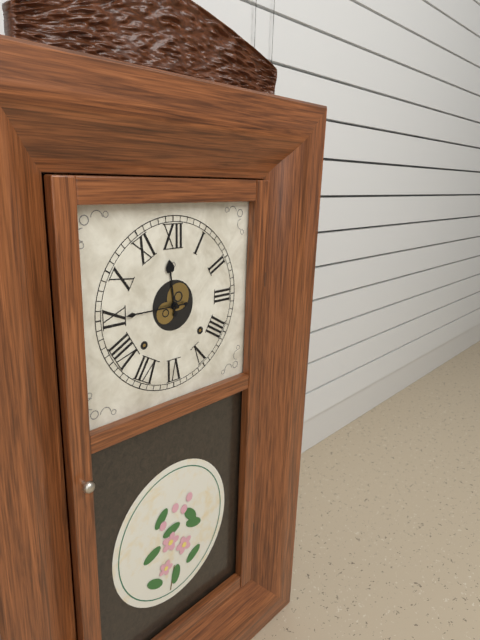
11,45
